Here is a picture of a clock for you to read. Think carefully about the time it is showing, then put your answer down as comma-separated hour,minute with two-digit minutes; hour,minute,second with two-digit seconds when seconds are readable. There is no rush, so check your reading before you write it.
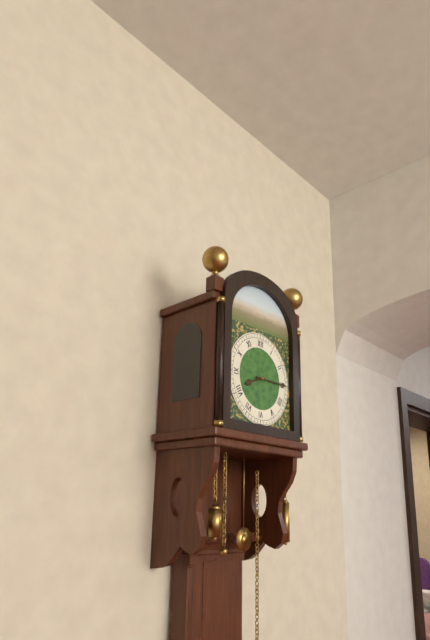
8,15
